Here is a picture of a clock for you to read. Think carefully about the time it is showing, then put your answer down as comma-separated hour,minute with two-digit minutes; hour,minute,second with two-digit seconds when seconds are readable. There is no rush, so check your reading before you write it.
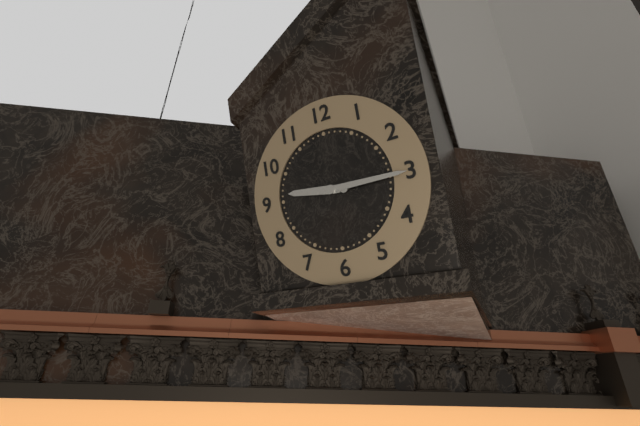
9,15
